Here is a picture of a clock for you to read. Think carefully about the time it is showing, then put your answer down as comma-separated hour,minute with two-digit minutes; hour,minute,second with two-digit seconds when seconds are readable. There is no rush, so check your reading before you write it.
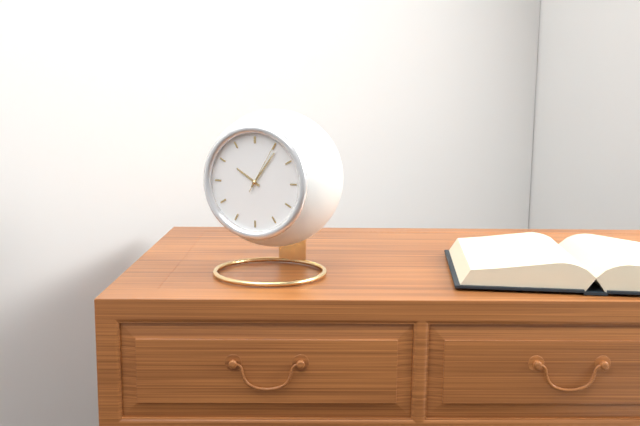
10,06,05
